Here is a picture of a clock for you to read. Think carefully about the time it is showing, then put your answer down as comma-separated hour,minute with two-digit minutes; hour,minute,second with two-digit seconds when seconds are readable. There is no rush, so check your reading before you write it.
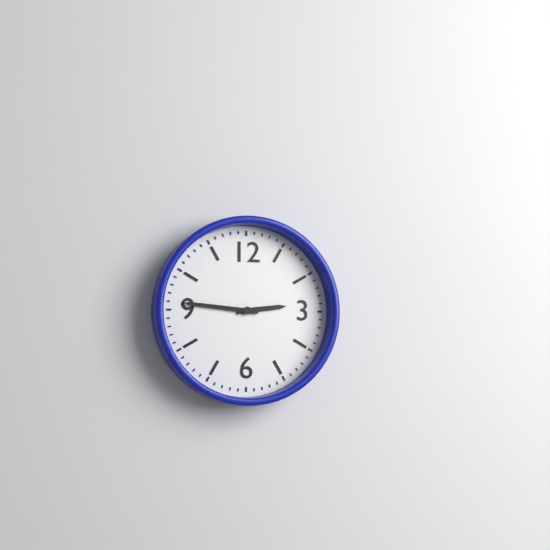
2,46
